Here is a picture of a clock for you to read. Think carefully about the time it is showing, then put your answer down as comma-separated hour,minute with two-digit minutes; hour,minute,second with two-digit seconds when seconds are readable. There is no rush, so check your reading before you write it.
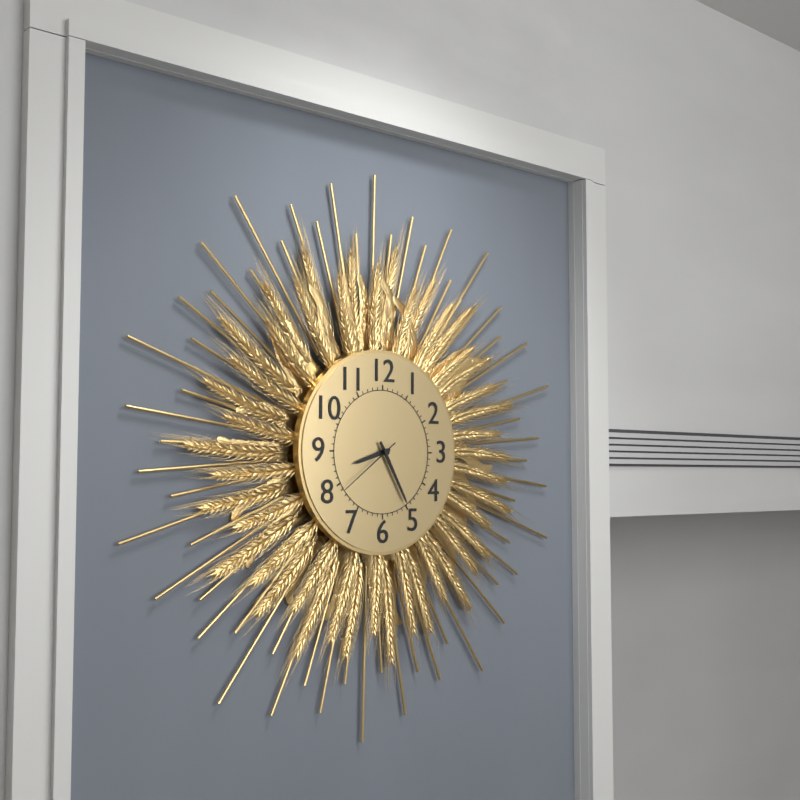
8,25,39
